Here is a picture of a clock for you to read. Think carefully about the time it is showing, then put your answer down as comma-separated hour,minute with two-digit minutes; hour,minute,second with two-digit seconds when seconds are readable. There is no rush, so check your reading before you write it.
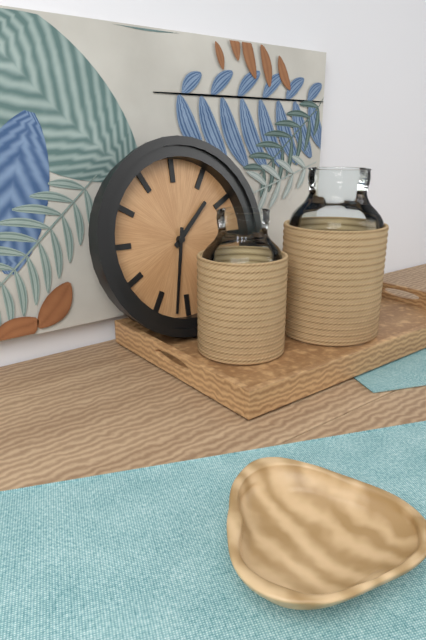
1,32
